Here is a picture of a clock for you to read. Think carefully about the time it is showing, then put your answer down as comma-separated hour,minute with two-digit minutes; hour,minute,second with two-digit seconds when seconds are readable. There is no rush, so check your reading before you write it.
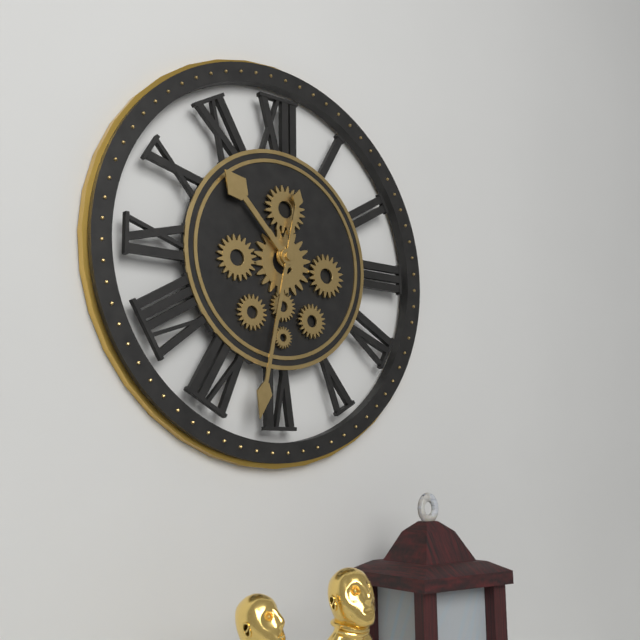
10,32
